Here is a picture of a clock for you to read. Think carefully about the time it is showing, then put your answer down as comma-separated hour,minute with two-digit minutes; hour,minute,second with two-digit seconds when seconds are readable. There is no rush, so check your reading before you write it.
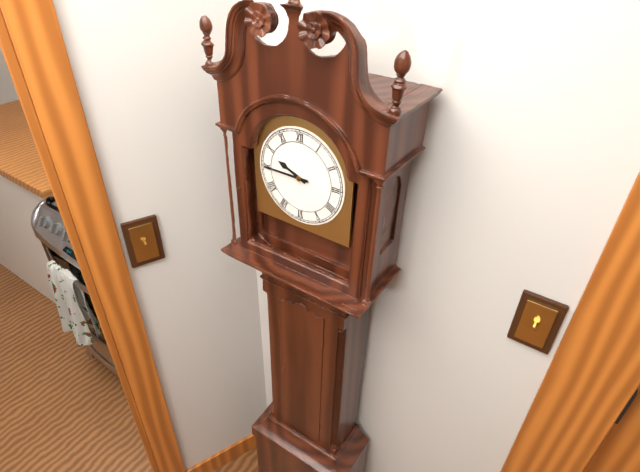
9,45
